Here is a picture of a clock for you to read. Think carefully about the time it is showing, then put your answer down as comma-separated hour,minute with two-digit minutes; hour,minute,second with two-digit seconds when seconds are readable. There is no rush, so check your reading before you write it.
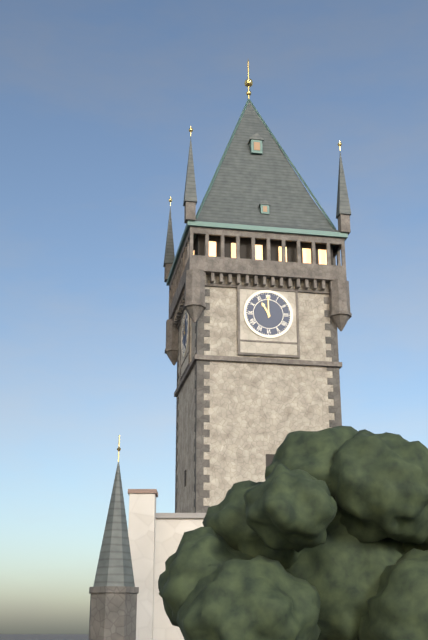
11,00
